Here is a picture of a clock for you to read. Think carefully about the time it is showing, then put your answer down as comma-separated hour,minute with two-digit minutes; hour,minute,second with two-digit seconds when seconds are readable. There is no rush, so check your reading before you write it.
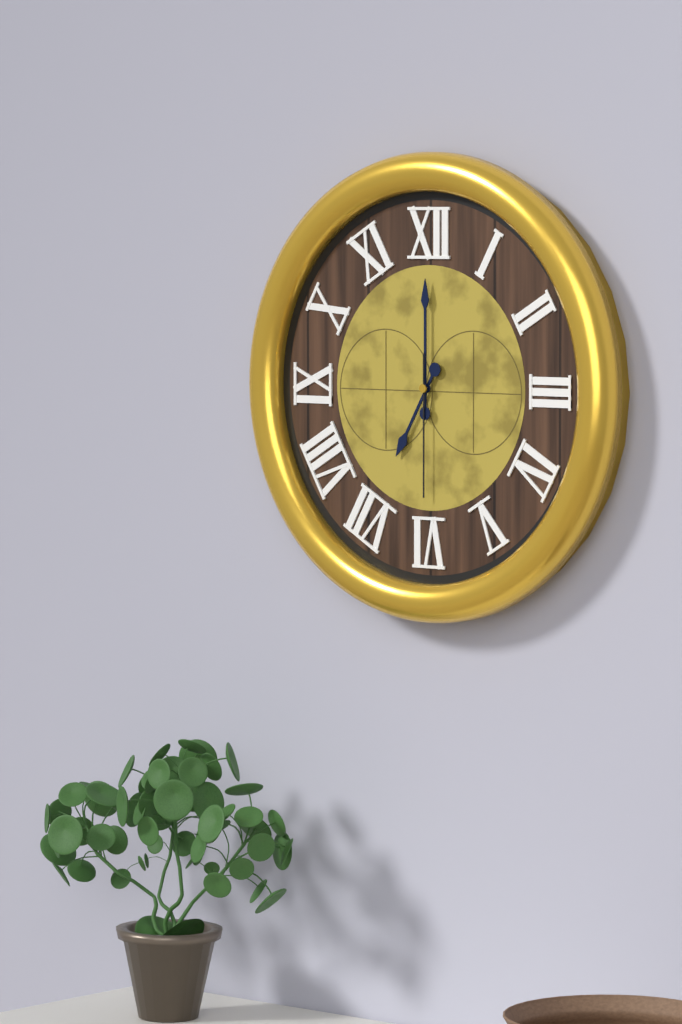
7,00,30
